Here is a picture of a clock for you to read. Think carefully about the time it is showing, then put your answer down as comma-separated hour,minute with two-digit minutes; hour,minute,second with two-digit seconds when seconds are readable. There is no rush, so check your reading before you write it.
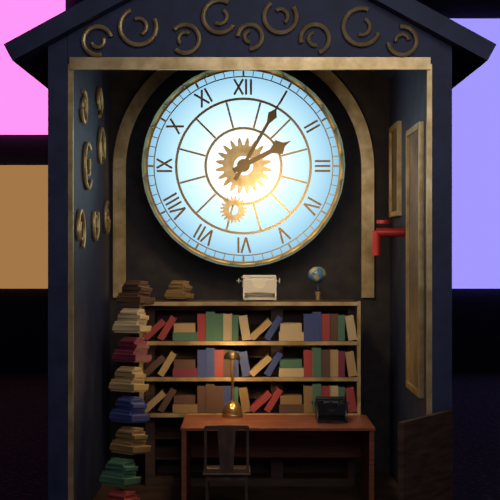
2,05
